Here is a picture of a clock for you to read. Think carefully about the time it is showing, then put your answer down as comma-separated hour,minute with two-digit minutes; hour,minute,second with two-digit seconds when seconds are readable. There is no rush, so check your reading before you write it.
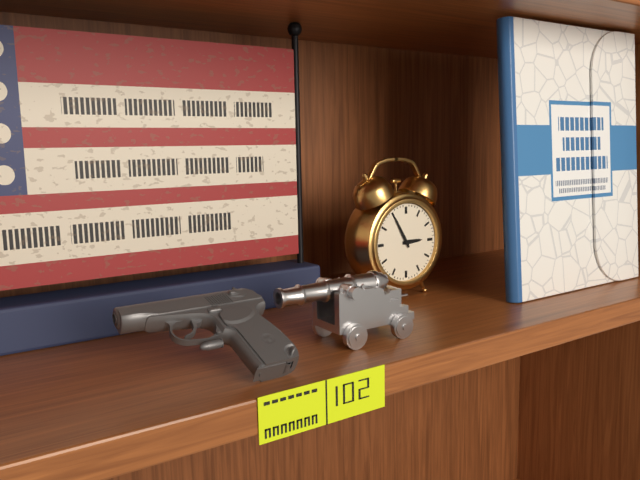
2,55
